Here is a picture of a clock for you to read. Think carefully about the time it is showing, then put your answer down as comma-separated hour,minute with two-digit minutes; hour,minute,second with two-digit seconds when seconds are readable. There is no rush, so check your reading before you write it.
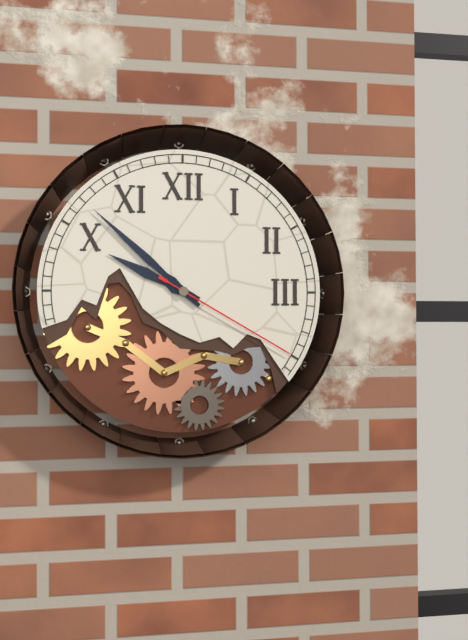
9,52,20
